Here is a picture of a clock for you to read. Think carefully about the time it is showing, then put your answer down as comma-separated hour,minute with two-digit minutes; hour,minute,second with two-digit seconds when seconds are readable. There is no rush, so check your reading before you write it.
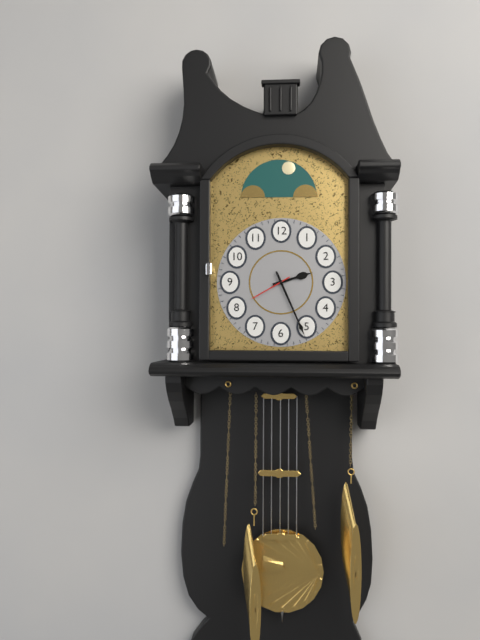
2,26
